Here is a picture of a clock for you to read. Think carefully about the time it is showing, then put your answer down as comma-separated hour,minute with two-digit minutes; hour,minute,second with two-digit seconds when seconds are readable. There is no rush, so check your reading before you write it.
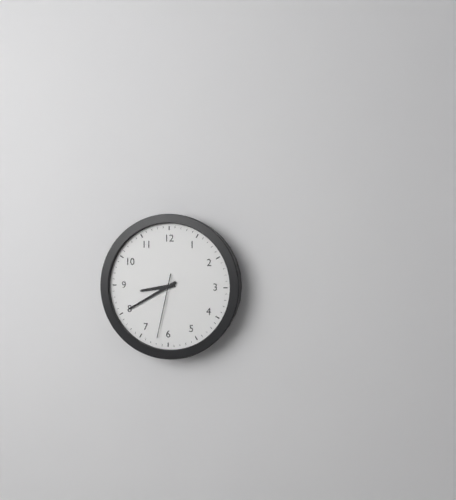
8,40,32
